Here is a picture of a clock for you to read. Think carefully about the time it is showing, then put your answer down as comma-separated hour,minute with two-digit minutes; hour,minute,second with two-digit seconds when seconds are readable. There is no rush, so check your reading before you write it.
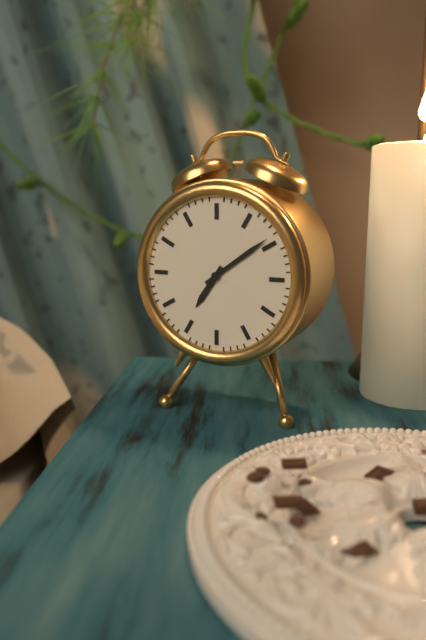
7,09
